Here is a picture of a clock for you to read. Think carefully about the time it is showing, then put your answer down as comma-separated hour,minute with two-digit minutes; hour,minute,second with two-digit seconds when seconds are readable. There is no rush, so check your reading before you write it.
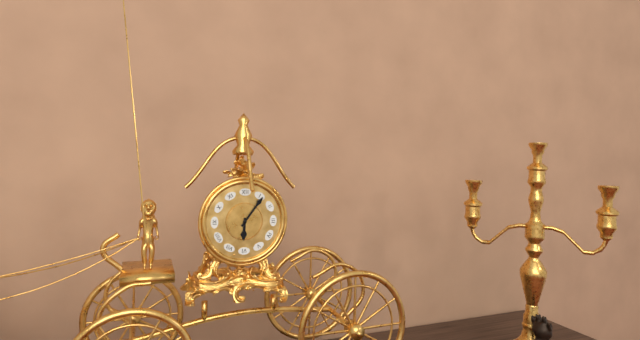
6,06
